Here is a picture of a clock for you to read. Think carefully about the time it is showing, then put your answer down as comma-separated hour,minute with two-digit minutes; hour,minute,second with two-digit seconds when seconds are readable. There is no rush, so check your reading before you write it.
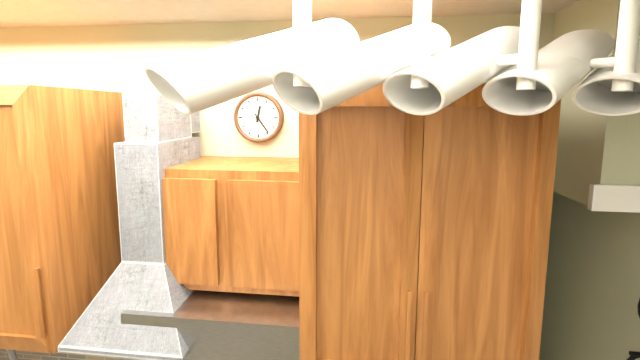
12,24
